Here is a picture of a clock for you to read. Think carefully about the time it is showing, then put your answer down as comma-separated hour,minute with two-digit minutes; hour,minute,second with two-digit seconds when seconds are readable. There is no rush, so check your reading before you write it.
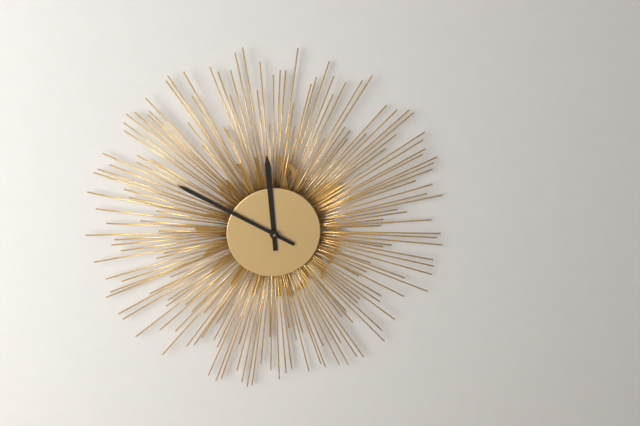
11,50
